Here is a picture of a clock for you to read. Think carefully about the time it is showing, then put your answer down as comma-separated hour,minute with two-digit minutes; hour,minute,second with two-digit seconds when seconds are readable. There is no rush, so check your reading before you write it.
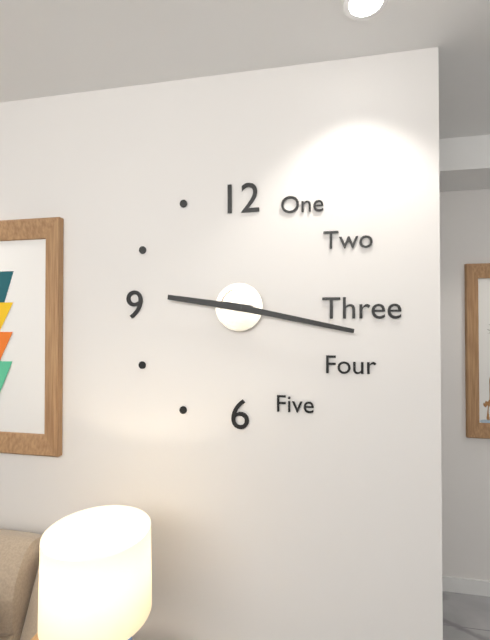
9,17
